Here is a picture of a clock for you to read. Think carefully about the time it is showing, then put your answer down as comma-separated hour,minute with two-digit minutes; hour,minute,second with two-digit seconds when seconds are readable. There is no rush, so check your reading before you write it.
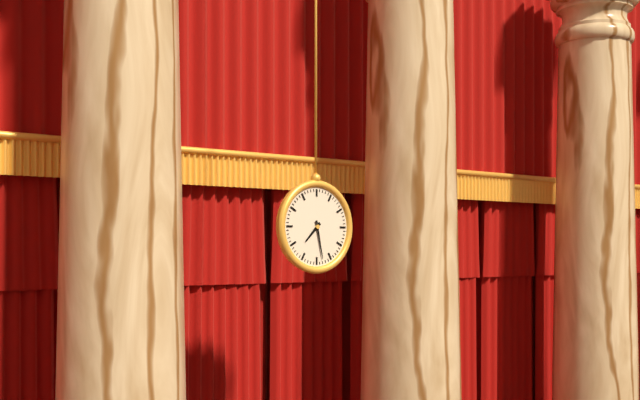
7,28
